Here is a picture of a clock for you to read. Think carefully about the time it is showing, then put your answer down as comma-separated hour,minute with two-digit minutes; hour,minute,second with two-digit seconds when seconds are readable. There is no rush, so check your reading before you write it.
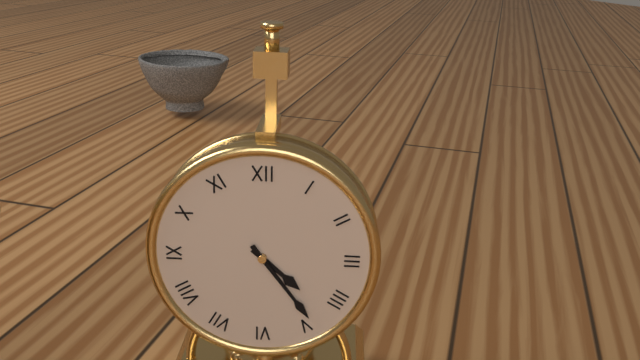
4,24
